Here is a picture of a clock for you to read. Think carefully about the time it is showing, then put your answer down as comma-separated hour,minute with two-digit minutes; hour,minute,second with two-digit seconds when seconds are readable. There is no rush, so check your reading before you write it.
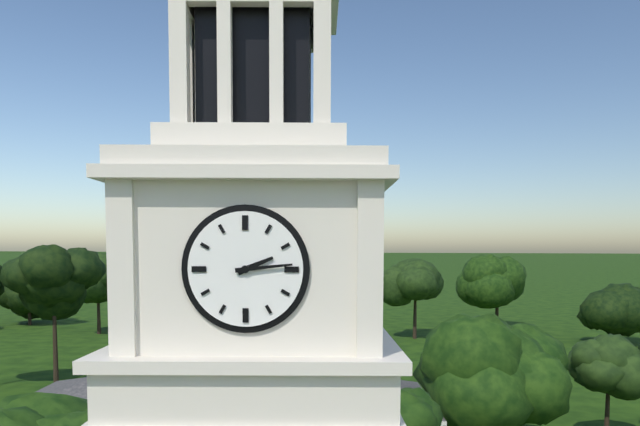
2,14
